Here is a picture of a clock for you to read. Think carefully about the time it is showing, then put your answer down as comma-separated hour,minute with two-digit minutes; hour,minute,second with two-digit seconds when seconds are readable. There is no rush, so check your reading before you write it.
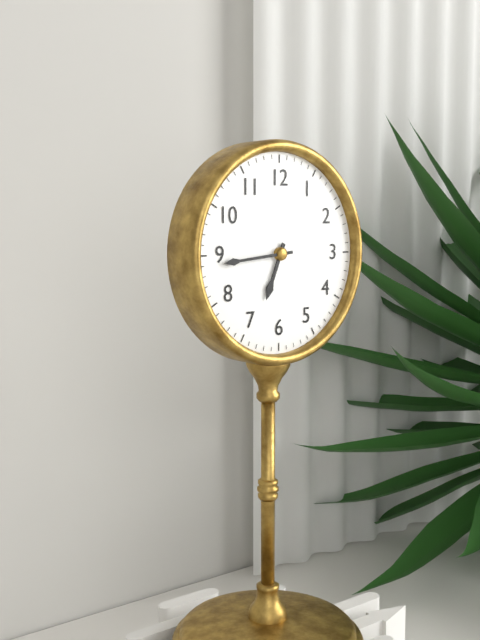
6,44
